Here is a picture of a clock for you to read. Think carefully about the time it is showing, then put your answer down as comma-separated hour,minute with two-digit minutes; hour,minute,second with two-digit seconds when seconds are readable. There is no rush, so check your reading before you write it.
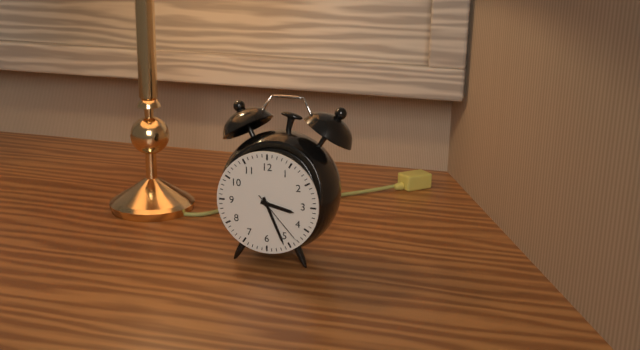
3,26,23
